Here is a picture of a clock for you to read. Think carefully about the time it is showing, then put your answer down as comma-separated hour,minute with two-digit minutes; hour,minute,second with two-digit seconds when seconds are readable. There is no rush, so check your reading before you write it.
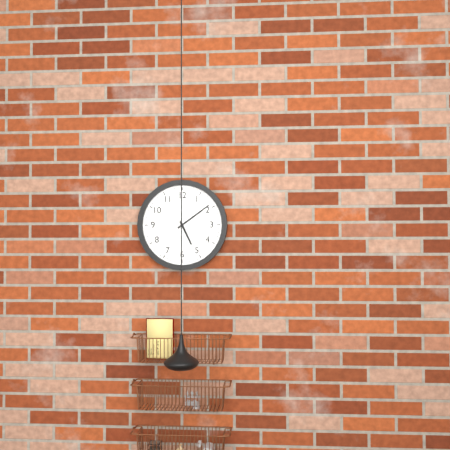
5,09
